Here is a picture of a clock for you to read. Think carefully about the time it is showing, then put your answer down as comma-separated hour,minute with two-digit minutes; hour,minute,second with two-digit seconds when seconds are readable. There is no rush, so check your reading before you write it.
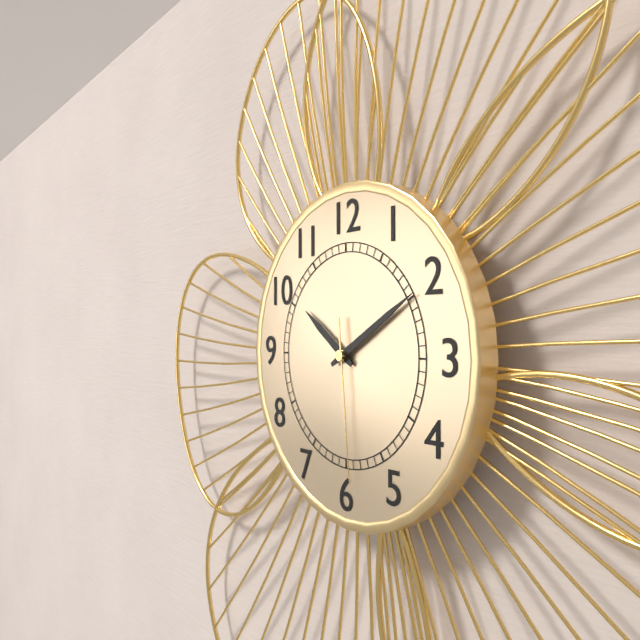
10,10,29
